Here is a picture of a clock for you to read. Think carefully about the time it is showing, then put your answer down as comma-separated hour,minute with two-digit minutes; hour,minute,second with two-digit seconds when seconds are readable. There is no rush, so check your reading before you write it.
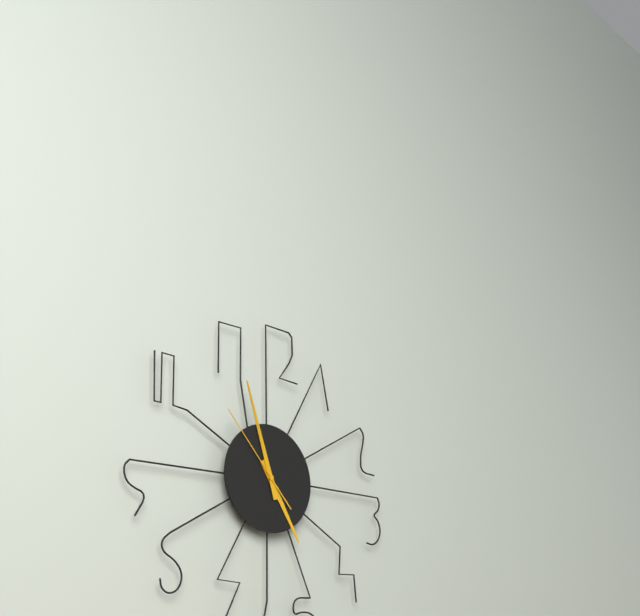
4,57,53
